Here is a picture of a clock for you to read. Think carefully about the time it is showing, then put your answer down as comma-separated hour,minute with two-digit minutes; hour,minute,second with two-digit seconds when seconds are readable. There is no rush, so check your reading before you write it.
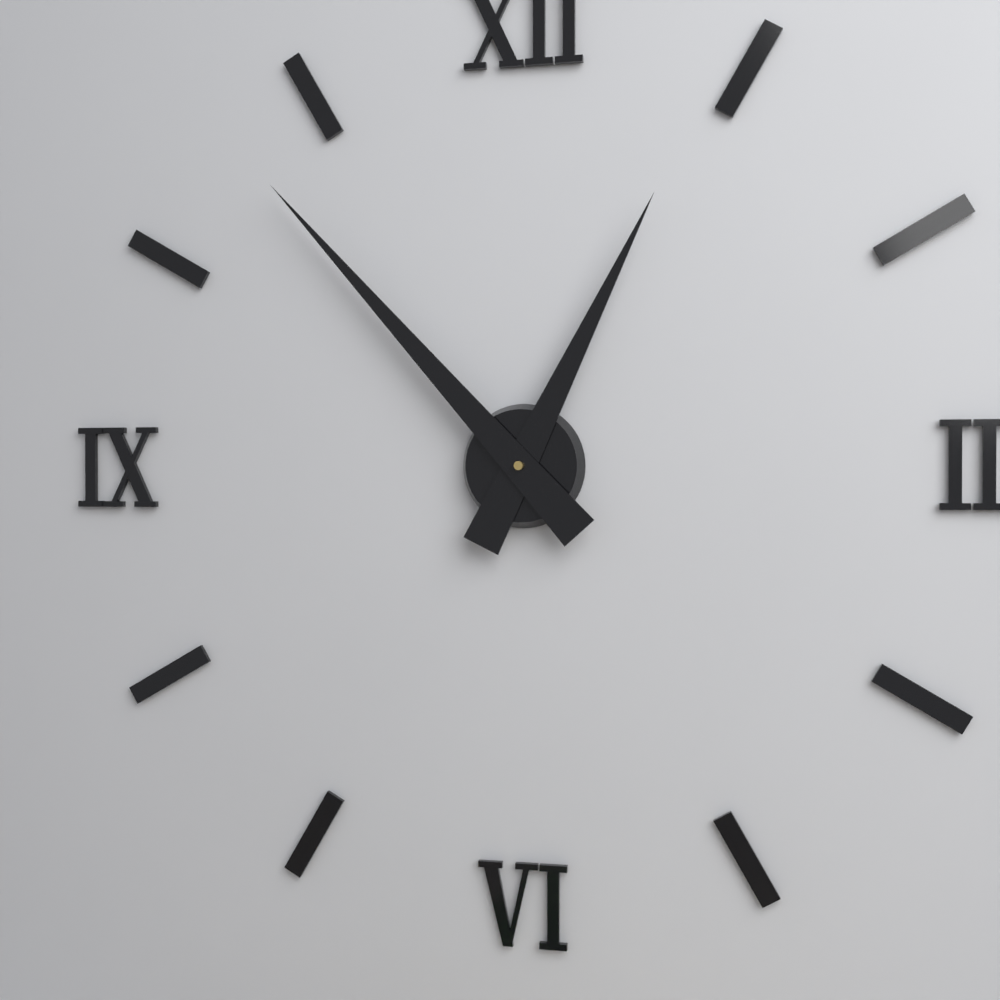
12,53
